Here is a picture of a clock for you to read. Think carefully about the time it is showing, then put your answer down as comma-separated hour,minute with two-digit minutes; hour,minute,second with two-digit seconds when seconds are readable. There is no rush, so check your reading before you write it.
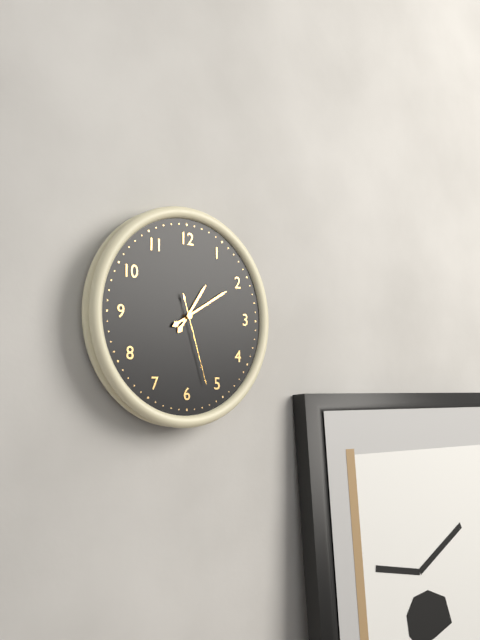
1,10,27
